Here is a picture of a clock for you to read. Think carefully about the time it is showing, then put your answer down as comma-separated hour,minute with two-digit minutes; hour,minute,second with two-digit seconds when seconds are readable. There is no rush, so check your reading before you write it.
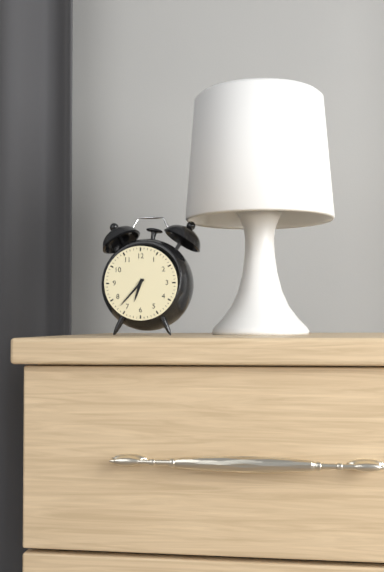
6,37
